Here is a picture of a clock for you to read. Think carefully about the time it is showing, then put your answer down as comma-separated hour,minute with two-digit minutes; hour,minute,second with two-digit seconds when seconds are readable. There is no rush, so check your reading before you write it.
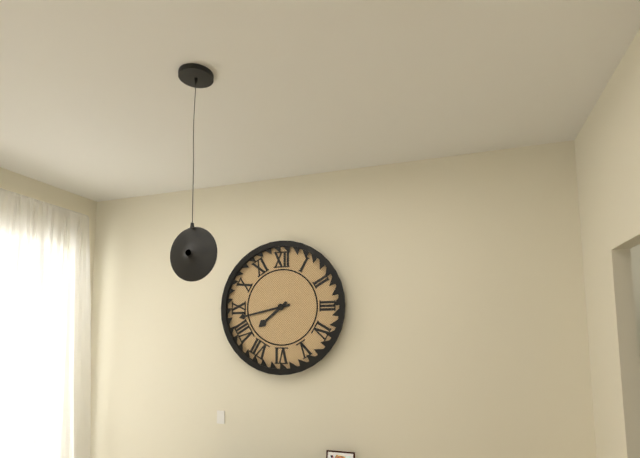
7,43
